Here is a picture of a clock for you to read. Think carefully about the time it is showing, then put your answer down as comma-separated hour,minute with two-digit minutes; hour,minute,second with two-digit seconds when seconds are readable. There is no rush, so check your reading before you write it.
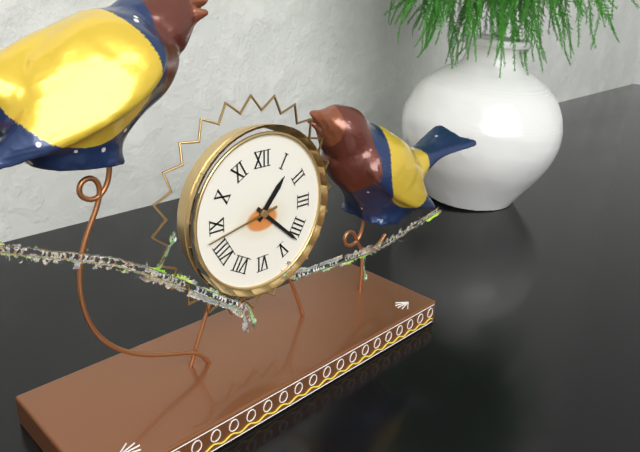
1,22,43
